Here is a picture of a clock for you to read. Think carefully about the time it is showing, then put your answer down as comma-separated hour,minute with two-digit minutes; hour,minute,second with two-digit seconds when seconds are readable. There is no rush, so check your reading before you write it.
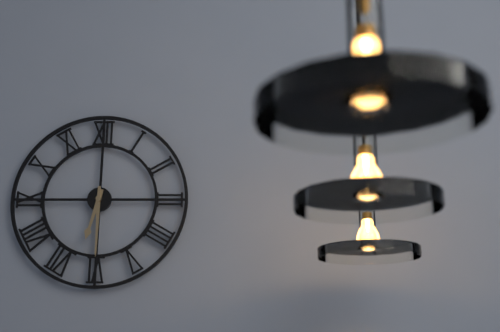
6,30
